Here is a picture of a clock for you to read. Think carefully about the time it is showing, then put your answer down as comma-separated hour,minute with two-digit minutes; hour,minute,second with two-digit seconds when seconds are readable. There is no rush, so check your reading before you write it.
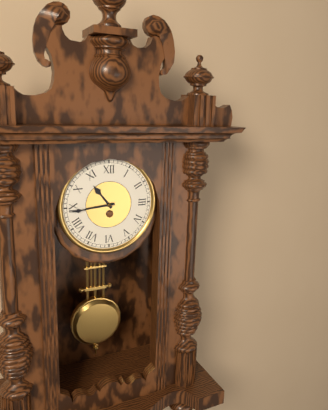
10,44
